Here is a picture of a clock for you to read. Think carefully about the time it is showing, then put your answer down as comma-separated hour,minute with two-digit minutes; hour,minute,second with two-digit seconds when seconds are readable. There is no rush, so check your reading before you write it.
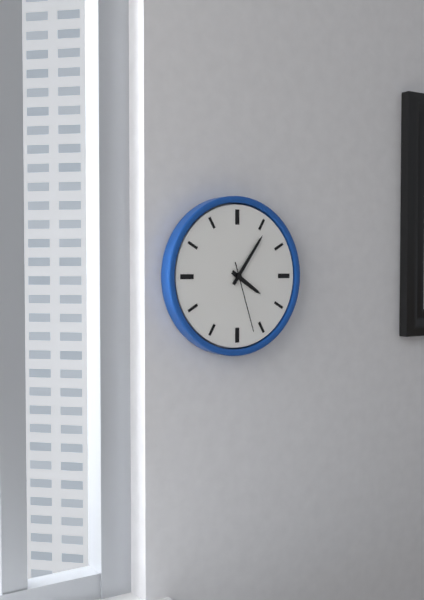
4,06,27
